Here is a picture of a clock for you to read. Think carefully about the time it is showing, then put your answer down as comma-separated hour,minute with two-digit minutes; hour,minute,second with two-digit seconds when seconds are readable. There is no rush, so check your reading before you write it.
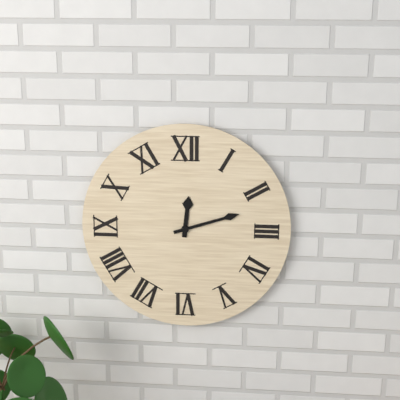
12,12
